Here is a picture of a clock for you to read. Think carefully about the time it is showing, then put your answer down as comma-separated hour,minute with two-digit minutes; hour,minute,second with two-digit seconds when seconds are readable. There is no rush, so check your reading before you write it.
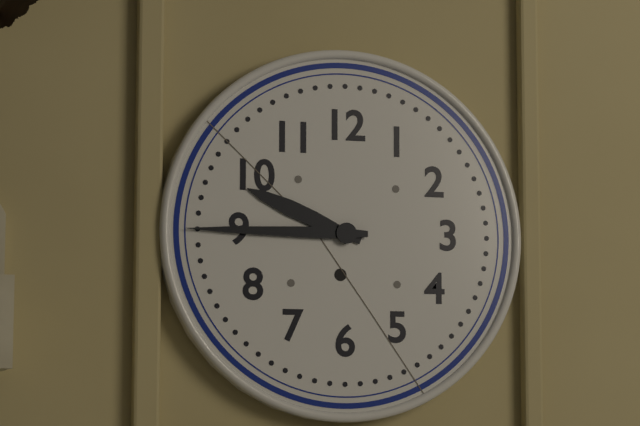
9,45
